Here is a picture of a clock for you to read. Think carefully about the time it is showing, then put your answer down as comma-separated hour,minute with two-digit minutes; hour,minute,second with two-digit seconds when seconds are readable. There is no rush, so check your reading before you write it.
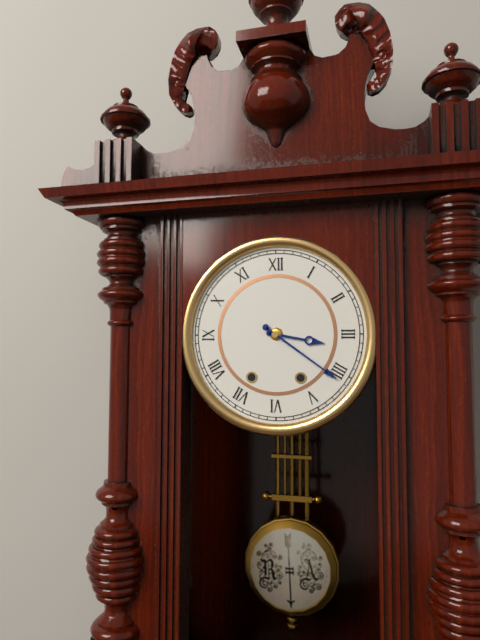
3,21
